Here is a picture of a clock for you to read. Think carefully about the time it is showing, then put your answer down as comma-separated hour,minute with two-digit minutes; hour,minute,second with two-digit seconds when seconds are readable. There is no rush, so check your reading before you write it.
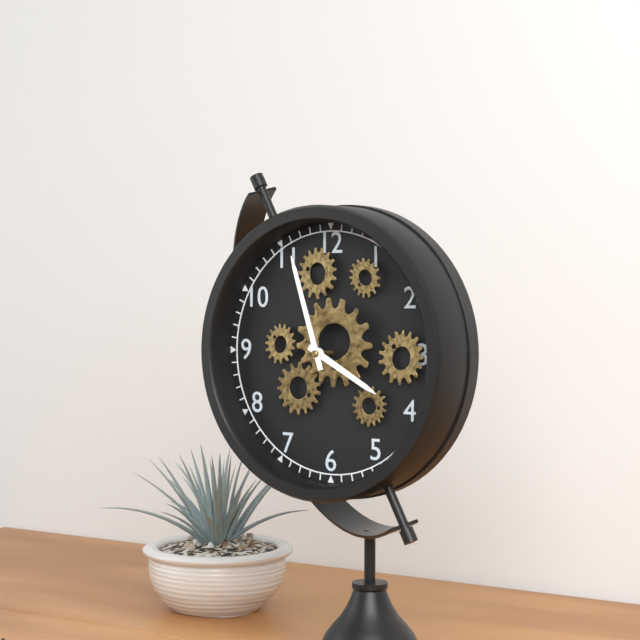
3,57
